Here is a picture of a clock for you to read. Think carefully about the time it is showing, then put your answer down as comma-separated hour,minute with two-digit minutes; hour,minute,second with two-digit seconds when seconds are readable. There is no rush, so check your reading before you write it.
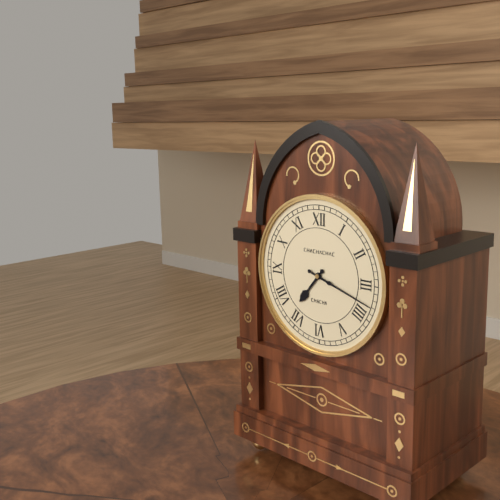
7,18
